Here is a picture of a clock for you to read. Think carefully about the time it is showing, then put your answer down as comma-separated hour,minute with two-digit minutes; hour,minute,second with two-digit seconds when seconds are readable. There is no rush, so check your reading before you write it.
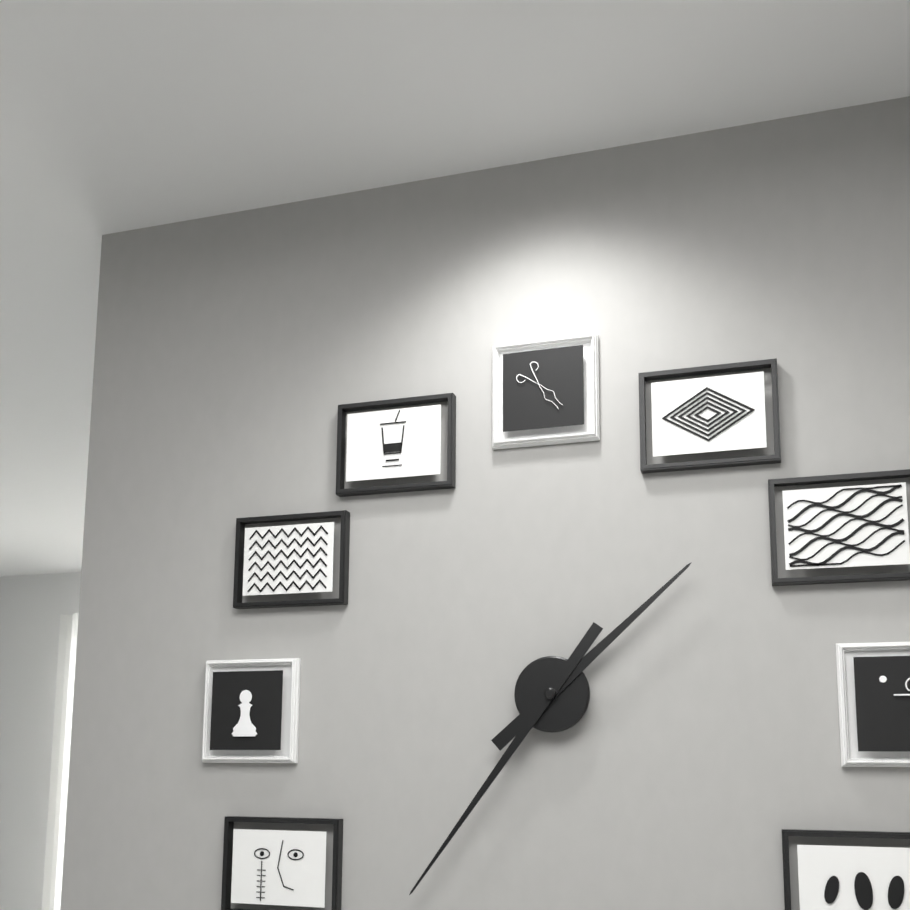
1,36
